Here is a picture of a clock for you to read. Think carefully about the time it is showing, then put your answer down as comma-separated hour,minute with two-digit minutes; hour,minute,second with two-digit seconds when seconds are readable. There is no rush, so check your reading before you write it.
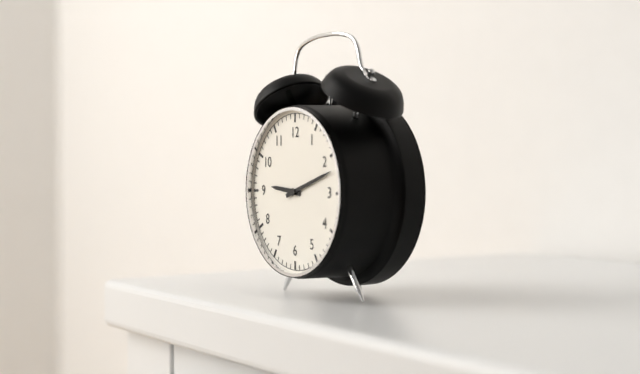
9,12
